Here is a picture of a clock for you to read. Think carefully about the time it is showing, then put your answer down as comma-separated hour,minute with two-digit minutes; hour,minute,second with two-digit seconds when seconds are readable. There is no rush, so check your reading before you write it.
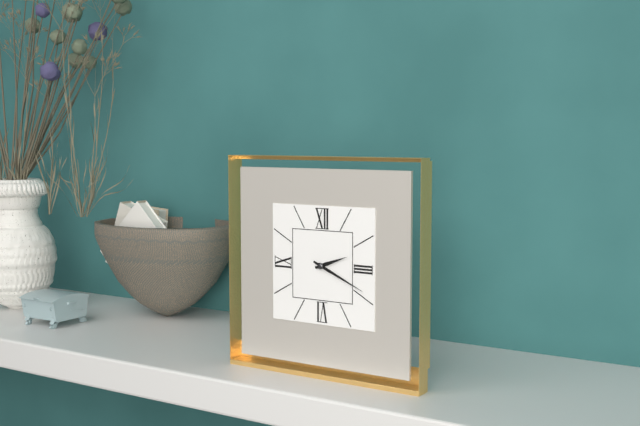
2,19
